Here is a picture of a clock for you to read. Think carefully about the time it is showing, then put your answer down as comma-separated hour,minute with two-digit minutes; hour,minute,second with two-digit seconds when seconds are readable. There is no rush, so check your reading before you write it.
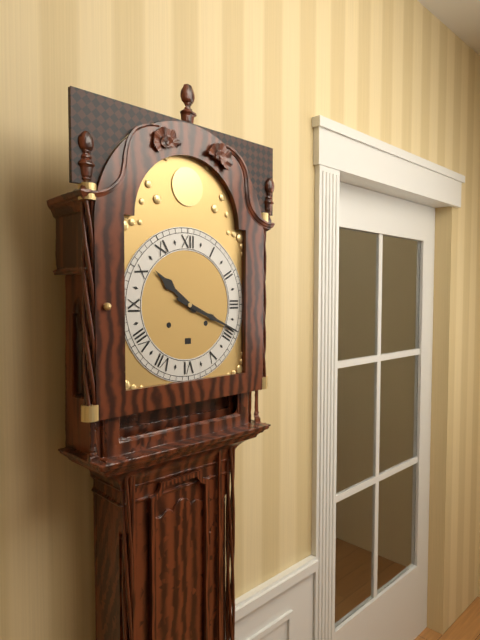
10,19
